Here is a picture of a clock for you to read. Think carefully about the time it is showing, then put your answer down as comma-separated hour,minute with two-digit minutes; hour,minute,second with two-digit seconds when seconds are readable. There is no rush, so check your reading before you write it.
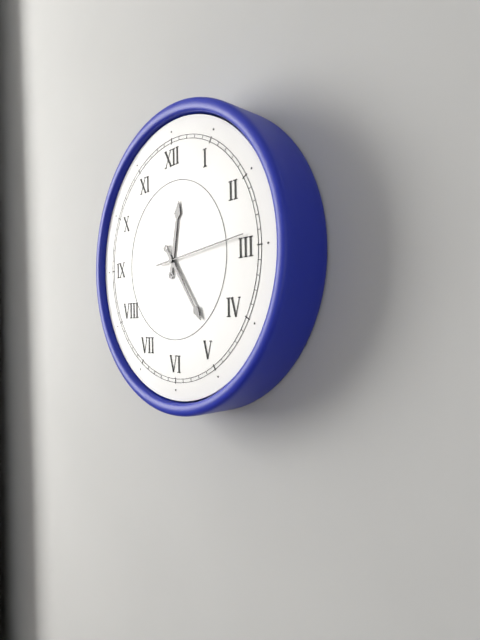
12,24,14
